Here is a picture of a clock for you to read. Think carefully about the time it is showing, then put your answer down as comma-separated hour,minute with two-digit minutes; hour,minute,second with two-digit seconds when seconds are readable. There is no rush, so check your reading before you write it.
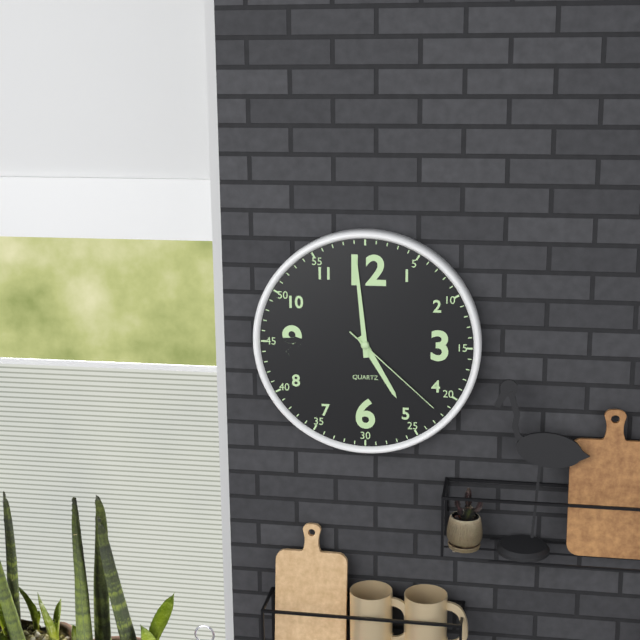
4,59,22
